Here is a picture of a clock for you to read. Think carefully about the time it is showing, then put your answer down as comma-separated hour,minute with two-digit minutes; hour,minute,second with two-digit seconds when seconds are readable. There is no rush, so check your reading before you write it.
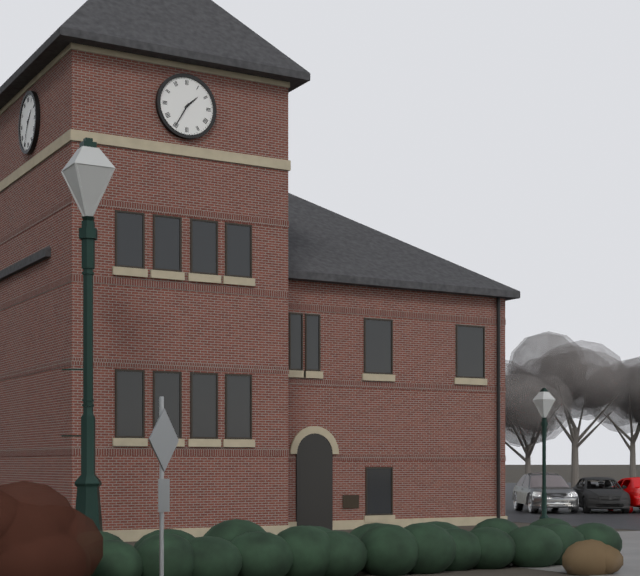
1,35
